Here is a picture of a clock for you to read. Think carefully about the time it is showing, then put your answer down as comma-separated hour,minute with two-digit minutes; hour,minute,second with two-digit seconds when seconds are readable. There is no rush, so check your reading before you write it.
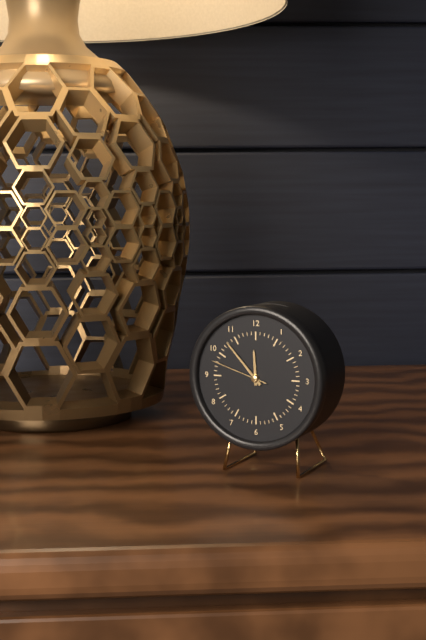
11,53,48
